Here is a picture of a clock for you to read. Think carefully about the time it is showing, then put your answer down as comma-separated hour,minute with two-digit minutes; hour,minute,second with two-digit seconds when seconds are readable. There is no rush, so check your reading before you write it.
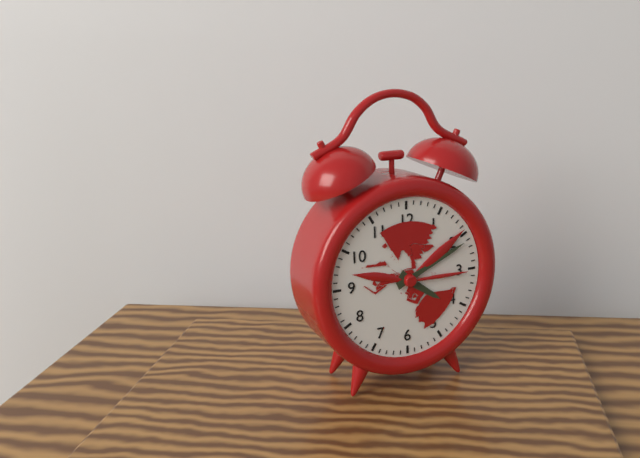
4,11
